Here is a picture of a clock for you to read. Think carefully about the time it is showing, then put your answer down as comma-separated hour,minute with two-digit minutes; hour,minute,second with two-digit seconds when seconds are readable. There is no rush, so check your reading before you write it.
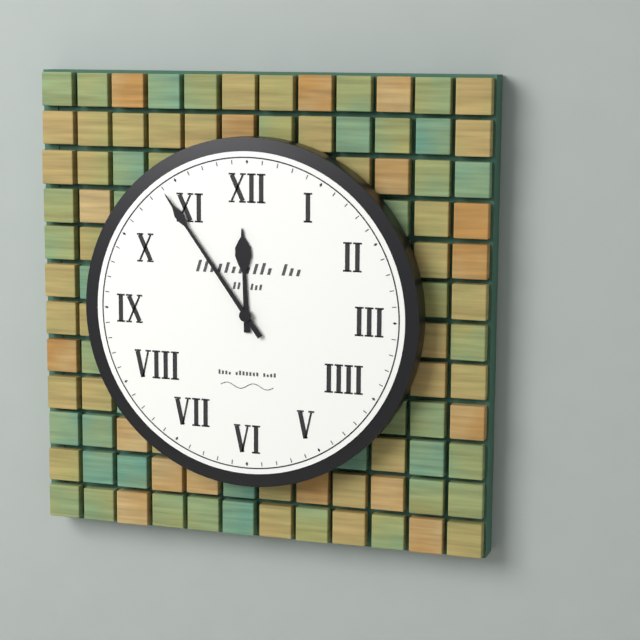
11,54
